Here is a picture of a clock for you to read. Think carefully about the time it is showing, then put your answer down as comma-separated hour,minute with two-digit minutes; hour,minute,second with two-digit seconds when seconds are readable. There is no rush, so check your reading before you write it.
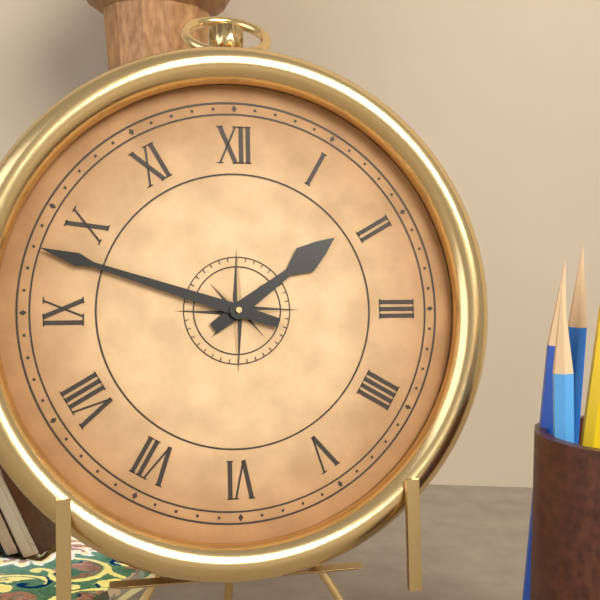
1,48
